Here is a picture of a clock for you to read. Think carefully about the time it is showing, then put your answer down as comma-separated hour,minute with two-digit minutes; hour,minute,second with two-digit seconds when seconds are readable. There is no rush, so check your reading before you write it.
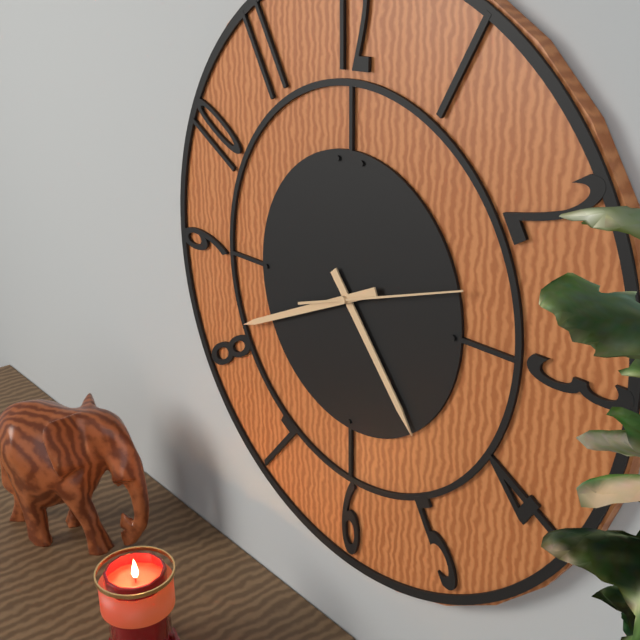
4,41,12
